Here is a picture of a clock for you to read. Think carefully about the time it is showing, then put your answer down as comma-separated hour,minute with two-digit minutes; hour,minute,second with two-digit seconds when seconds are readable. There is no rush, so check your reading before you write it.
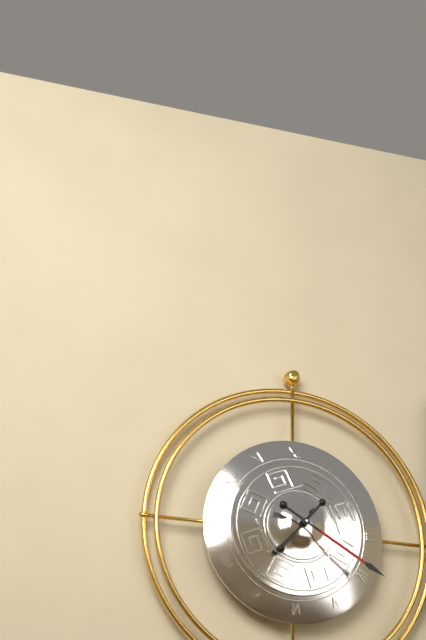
7,20
